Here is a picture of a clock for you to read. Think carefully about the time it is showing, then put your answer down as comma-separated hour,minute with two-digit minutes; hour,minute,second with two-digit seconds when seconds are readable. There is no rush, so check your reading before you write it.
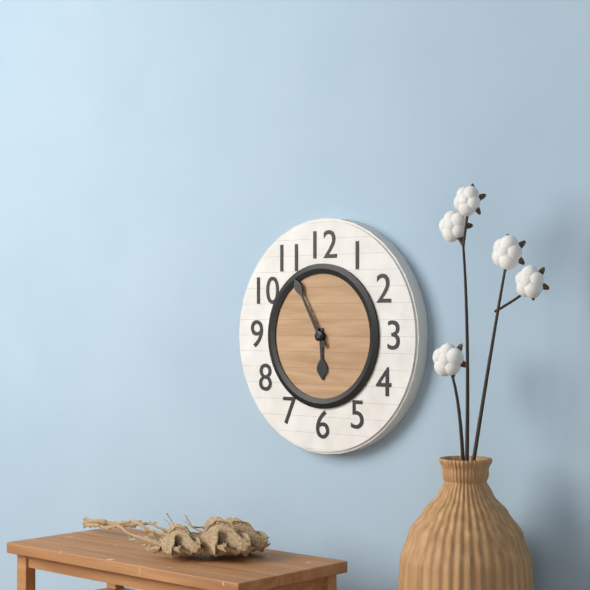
5,55
